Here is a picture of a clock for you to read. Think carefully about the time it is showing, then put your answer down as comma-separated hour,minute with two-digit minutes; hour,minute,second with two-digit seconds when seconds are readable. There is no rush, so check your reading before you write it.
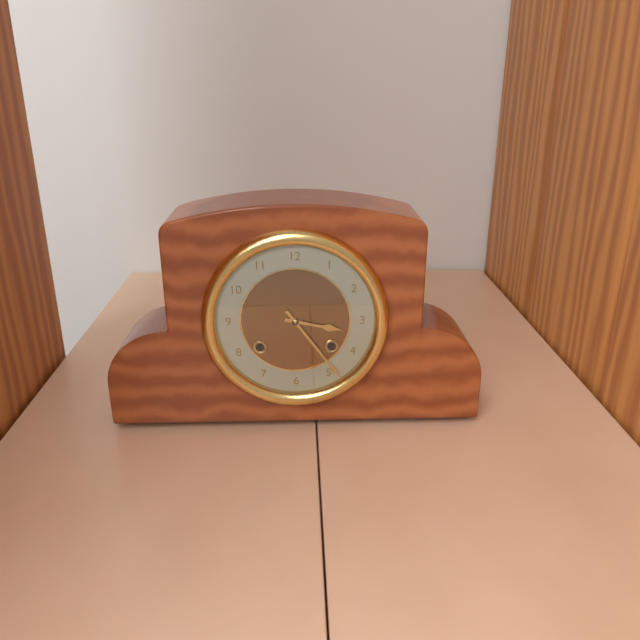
3,24
